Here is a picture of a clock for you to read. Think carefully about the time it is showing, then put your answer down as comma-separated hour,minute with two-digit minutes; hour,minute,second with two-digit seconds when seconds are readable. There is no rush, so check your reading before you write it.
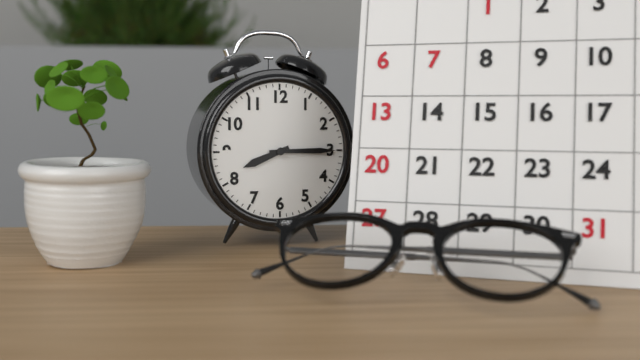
8,15
